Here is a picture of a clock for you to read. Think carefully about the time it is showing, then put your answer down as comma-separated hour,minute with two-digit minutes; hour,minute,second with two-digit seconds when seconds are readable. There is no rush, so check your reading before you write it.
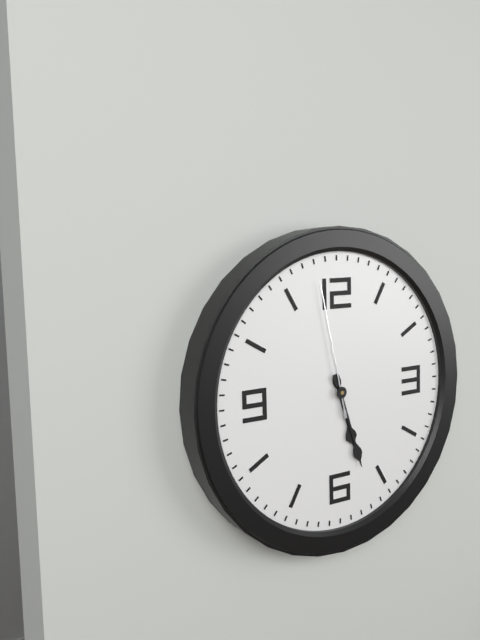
5,27,58
